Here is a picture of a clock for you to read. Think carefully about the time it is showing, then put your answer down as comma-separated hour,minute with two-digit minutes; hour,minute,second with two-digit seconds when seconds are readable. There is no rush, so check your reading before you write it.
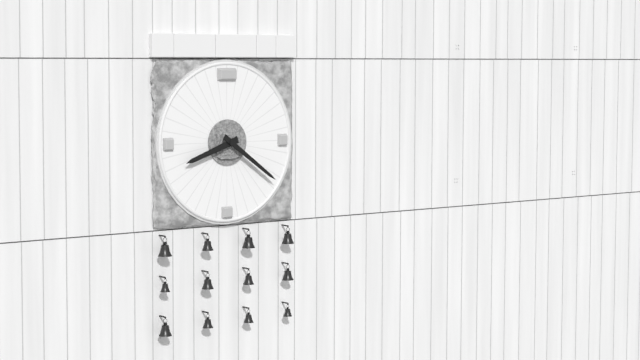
8,21
